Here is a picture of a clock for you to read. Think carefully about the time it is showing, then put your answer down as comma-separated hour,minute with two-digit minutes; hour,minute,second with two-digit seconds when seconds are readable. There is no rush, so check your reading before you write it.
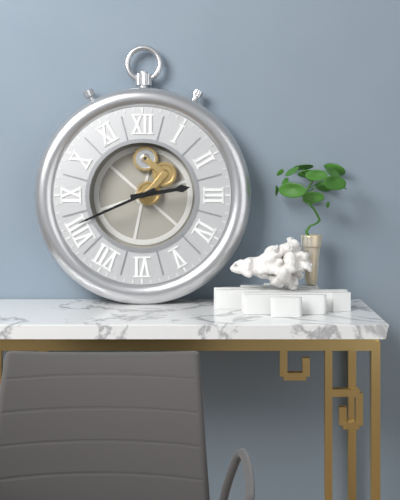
2,41
